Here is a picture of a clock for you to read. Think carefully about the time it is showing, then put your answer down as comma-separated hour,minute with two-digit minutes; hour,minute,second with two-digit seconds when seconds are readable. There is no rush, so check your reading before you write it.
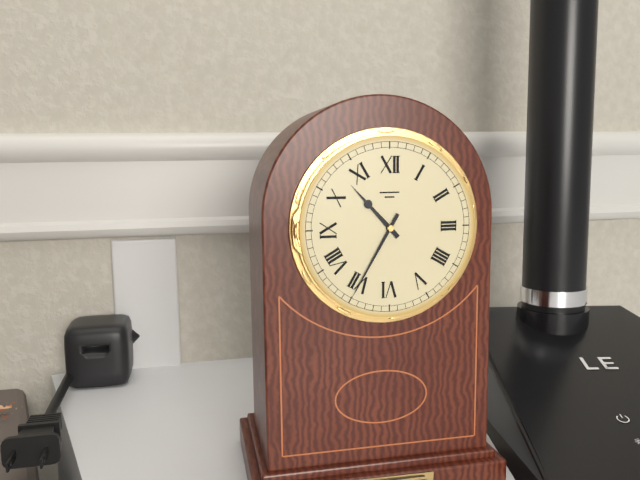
10,35
